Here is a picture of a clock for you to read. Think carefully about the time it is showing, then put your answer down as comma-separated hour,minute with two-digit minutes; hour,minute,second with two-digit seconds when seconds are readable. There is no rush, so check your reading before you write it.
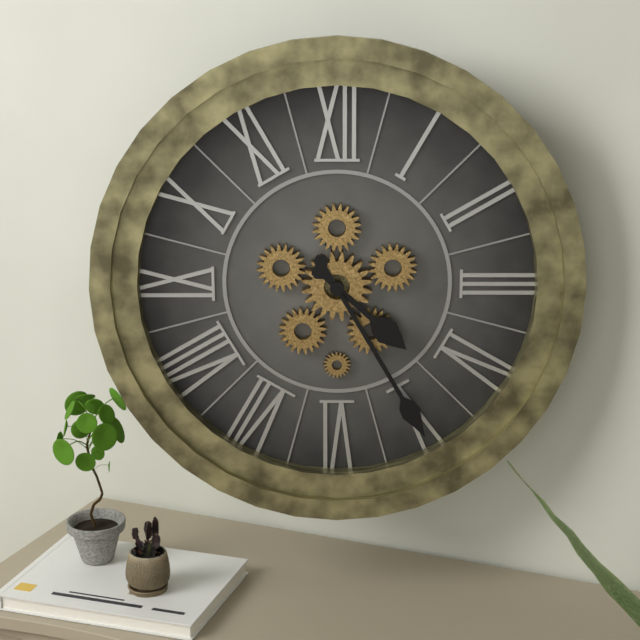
4,25
